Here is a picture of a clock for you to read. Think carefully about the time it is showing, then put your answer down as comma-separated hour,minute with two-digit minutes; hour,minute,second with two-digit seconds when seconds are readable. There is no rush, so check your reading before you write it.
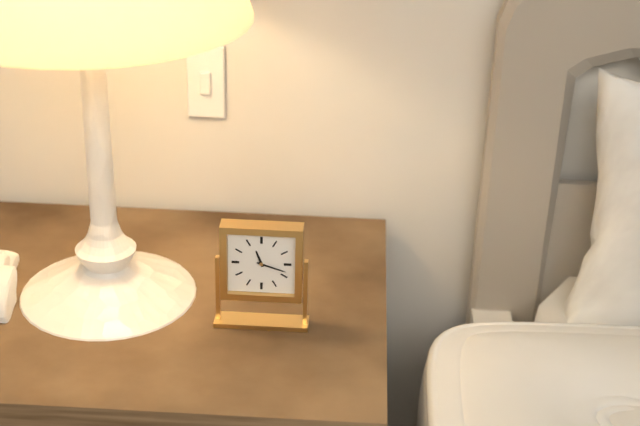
11,18
